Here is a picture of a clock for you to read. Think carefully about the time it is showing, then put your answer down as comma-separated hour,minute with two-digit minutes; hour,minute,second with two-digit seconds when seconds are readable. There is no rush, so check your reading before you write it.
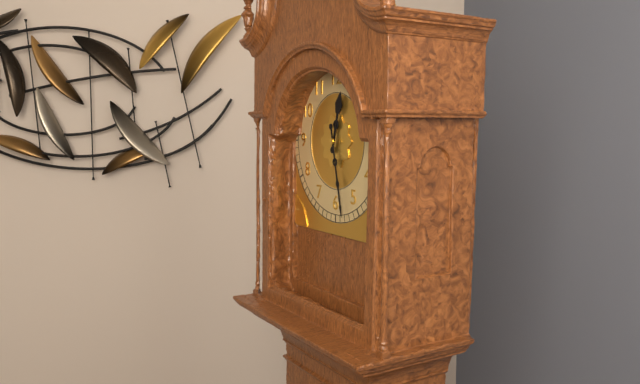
12,28
